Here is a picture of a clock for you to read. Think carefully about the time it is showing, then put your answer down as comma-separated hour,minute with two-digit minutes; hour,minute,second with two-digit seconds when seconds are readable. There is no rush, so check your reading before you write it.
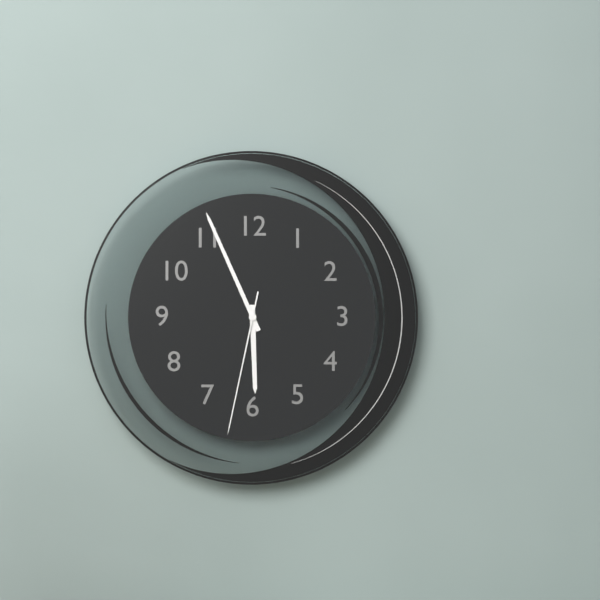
5,56,32
